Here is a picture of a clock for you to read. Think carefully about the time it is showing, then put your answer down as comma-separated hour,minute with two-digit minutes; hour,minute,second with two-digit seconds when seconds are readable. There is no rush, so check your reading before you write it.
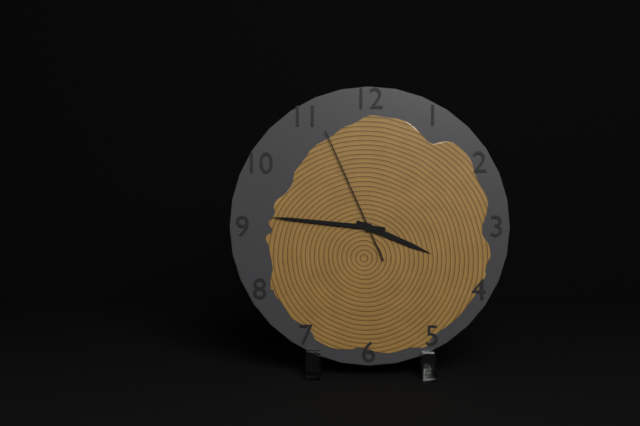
3,46,56
